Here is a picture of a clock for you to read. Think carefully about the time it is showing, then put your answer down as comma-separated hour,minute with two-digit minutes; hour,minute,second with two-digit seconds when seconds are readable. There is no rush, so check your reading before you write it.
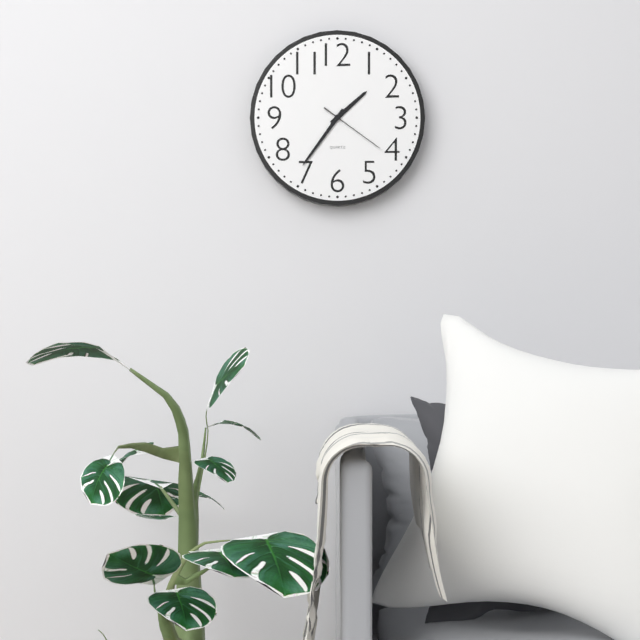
1,36,21
